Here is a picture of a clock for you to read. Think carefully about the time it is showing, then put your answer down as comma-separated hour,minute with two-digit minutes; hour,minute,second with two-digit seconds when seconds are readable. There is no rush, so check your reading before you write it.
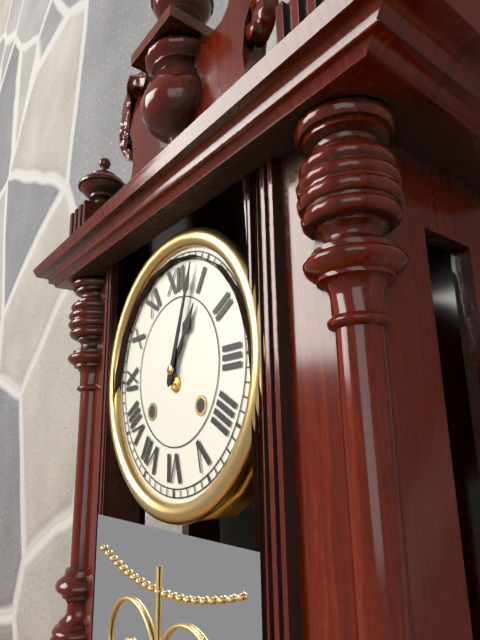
1,03
